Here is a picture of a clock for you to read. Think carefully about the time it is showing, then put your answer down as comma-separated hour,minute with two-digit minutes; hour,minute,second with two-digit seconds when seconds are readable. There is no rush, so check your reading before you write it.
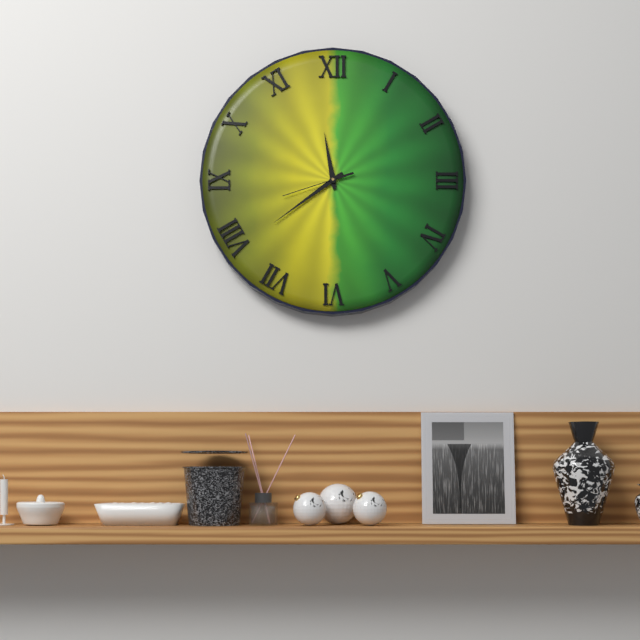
11,39,42
